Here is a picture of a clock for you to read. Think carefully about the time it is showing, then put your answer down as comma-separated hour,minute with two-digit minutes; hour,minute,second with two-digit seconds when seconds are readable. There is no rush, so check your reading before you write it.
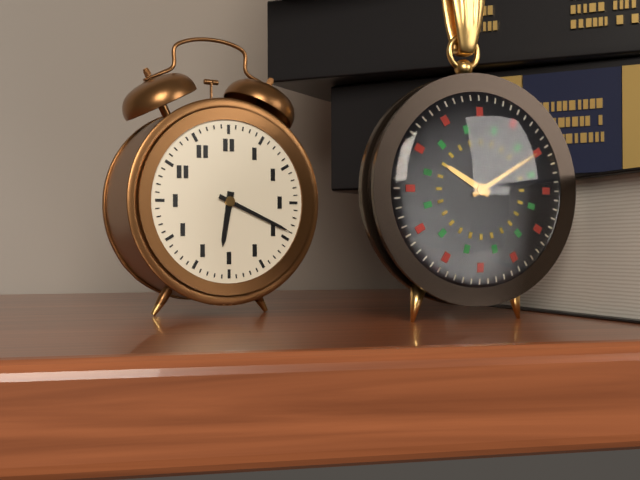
6,19
